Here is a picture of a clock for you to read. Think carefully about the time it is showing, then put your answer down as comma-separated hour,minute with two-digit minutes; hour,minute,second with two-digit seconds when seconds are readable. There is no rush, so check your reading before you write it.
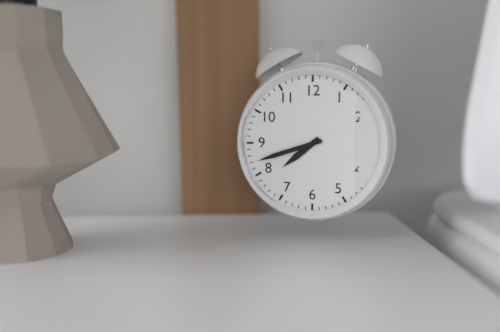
7,42
